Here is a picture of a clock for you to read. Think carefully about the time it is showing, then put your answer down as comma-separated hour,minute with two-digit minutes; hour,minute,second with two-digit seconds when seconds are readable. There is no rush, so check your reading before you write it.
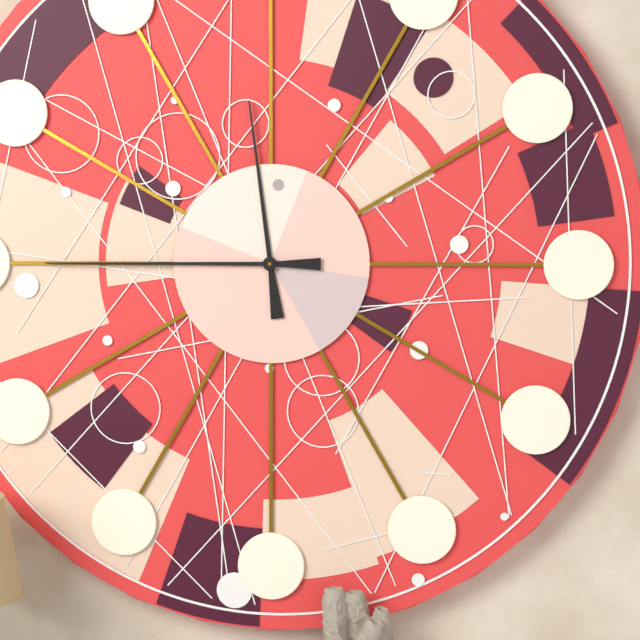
11,45
